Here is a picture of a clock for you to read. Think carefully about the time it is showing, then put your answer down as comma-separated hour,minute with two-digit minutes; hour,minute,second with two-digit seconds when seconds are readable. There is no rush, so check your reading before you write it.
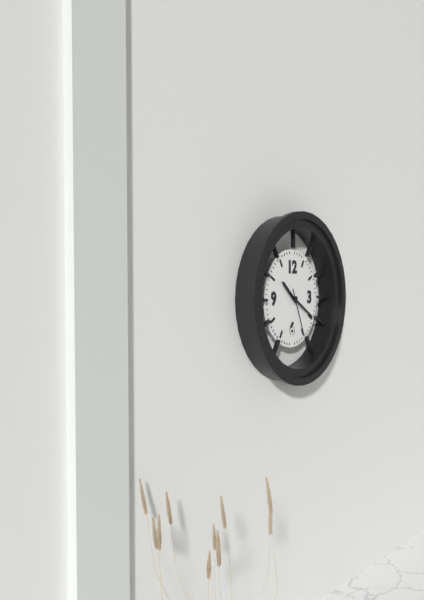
10,20
